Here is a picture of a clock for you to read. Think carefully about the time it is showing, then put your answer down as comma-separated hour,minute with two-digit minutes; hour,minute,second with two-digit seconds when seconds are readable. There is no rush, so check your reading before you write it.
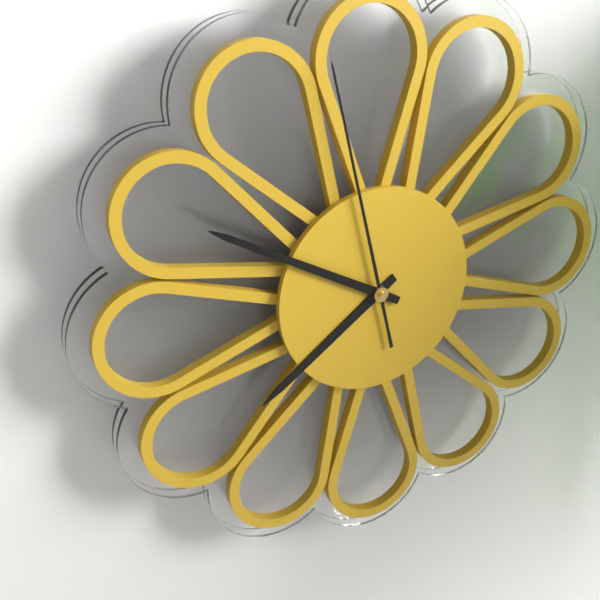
7,50,58
